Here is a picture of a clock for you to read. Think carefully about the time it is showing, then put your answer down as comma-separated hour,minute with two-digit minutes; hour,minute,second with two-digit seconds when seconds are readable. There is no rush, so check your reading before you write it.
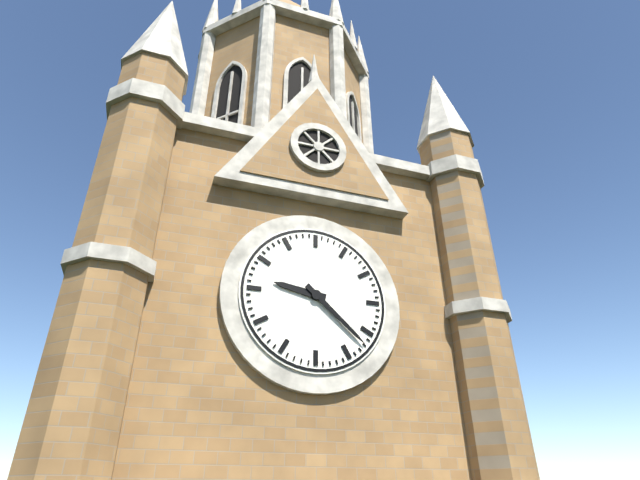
9,22
